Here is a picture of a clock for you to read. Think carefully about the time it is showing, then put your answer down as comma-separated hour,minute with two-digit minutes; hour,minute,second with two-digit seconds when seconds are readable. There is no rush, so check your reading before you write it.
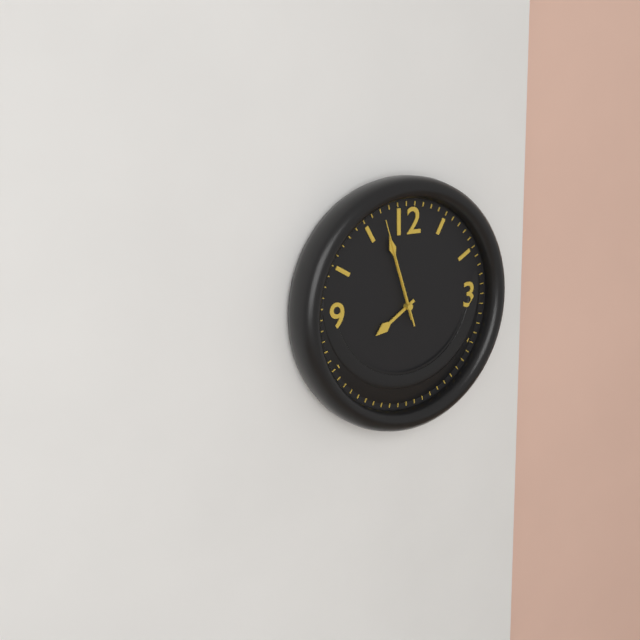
7,57,57
